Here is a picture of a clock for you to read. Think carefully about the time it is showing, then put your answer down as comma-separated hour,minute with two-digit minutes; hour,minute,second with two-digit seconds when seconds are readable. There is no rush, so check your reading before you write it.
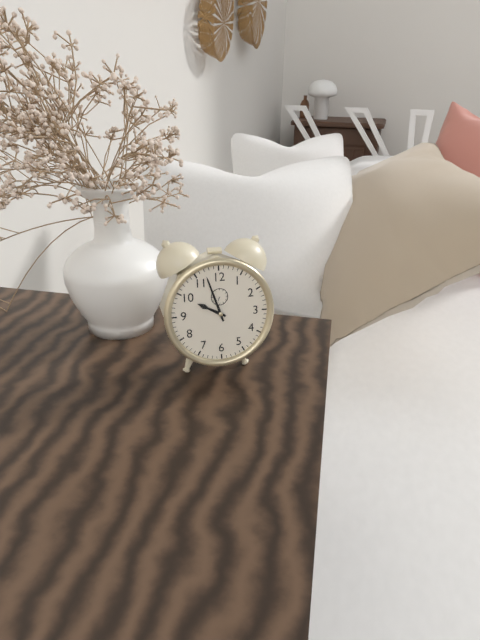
9,57
